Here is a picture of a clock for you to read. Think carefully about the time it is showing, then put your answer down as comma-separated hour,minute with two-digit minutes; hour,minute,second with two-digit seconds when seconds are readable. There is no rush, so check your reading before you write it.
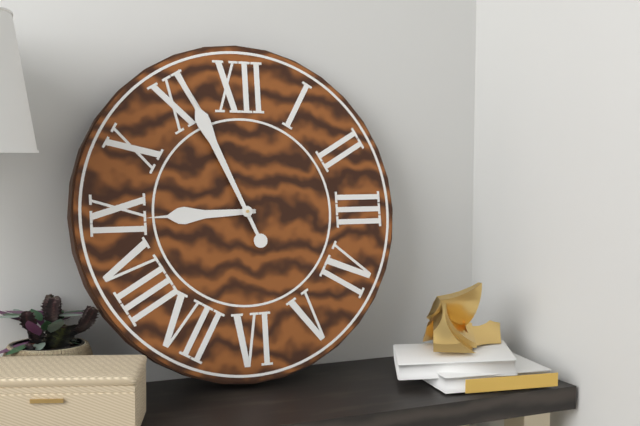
8,56
